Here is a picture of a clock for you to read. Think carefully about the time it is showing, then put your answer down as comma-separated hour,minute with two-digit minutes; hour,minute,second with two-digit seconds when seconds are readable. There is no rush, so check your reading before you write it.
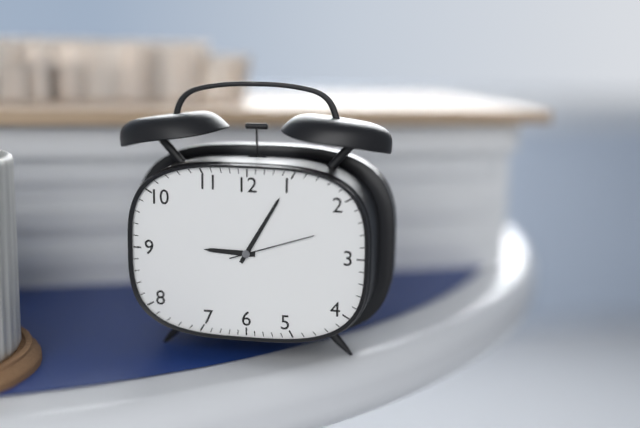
9,05,12
